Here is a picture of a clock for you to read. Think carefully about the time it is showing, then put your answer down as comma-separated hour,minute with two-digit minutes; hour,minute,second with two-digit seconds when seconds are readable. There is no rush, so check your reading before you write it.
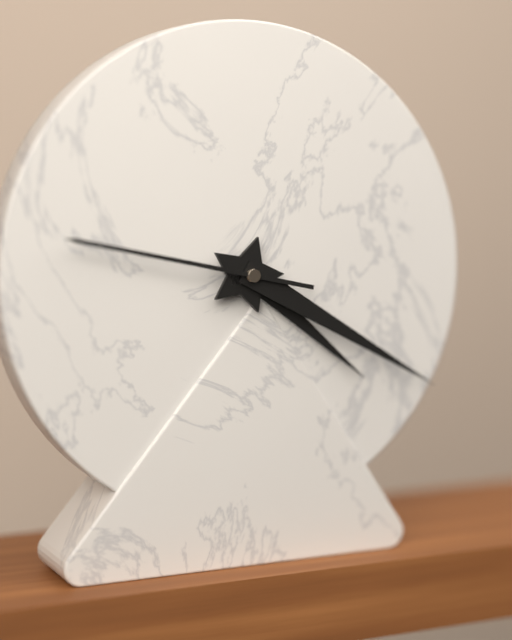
4,20,47
